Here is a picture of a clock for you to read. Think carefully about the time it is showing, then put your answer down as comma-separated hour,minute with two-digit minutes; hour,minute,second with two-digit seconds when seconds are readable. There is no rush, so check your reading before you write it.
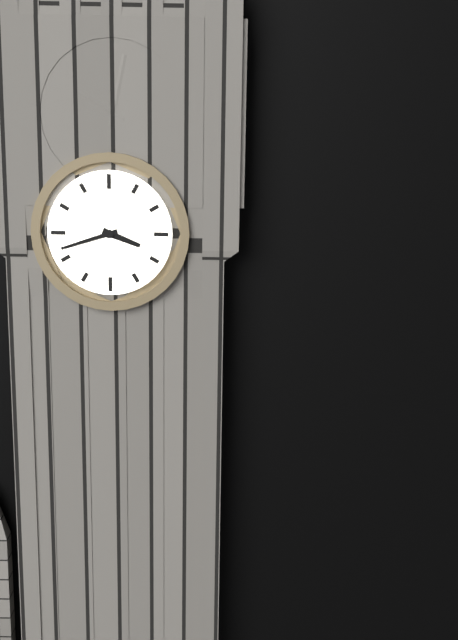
3,42
